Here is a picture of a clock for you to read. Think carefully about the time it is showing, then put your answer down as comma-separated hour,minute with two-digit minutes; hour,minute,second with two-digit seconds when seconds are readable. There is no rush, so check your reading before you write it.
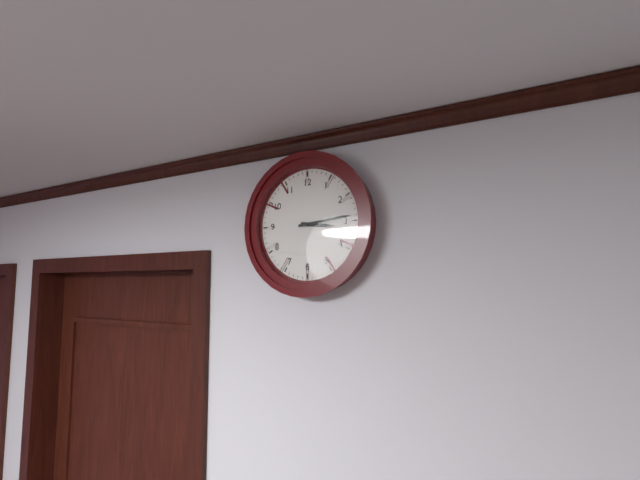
3,14
